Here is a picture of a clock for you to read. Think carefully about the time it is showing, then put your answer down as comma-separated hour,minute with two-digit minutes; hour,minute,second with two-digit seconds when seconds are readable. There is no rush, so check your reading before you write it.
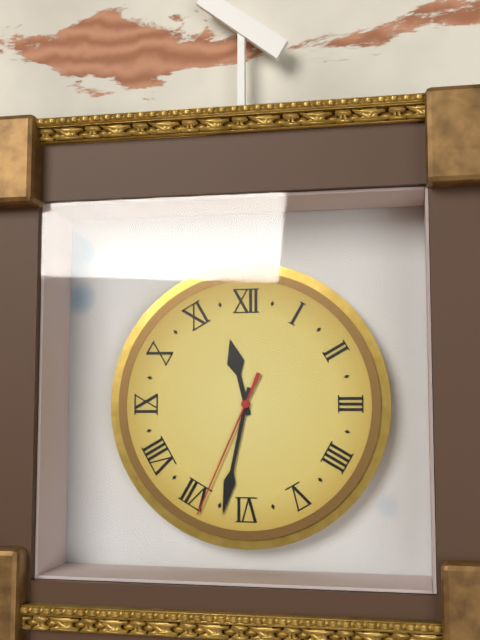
11,32,34
